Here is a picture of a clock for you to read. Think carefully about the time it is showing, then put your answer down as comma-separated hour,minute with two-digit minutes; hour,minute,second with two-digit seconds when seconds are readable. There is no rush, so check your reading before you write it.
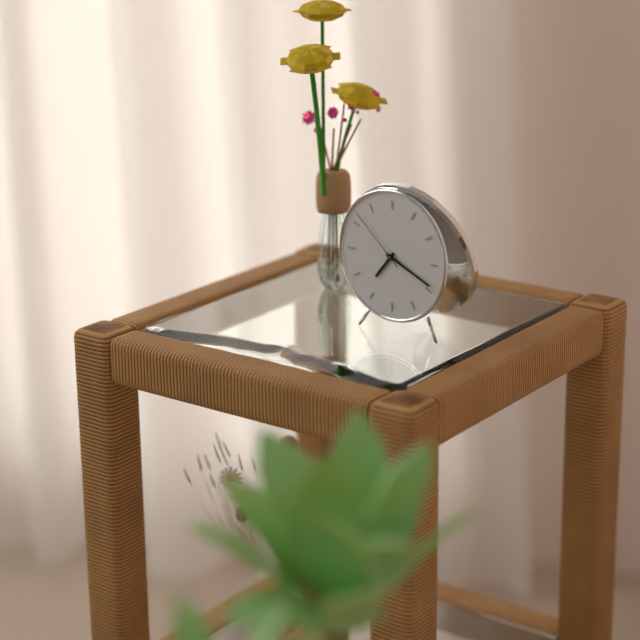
7,19,52
